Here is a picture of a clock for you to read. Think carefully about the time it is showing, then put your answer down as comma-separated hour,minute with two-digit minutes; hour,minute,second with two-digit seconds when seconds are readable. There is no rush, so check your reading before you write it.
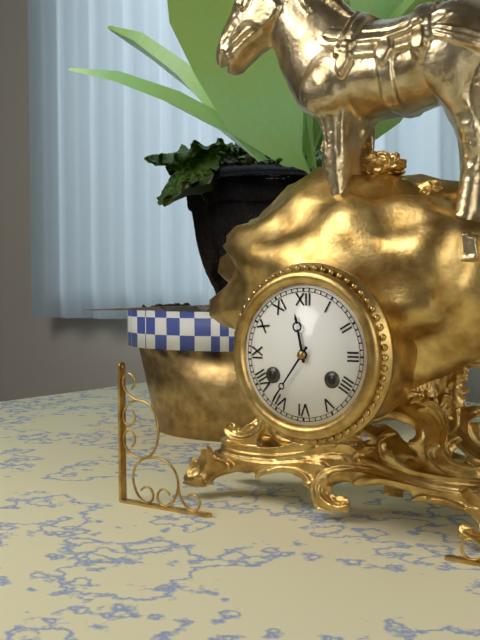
11,36
